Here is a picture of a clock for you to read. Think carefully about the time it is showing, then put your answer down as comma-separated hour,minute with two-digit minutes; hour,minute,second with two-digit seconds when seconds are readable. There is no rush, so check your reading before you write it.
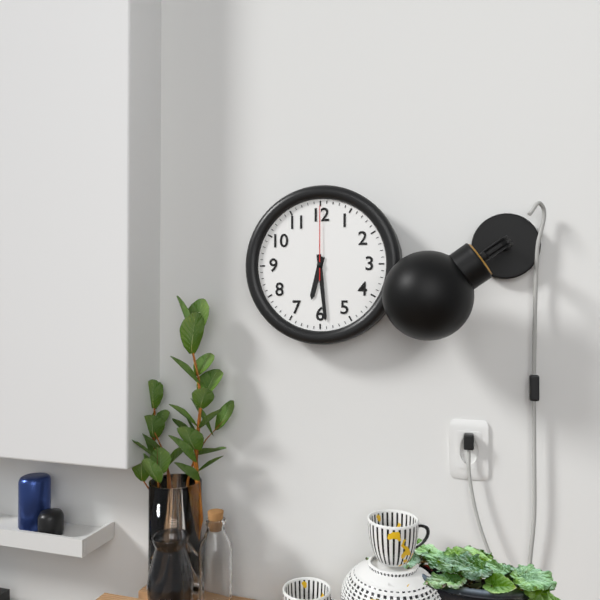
6,29,00
